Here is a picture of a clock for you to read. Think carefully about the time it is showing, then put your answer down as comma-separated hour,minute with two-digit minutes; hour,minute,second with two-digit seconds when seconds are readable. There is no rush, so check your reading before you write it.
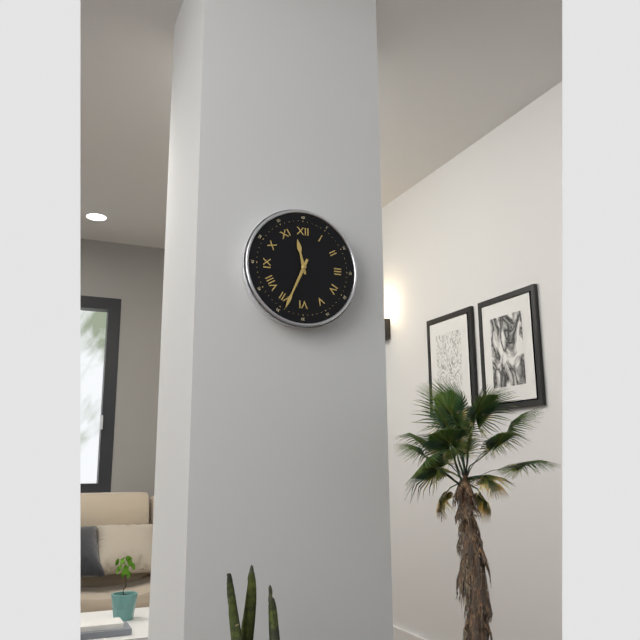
11,34
